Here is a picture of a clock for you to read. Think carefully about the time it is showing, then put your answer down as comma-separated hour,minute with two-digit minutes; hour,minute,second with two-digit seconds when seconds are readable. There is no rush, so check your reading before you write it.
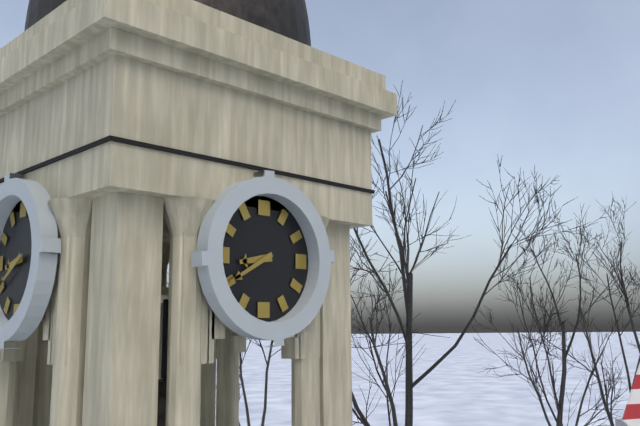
8,40
